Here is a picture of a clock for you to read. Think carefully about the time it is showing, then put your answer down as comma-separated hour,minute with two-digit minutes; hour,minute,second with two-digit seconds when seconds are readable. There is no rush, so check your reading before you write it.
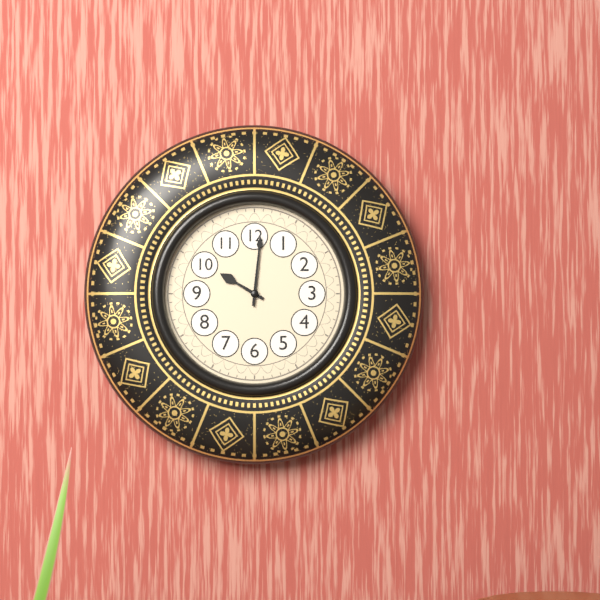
10,01
